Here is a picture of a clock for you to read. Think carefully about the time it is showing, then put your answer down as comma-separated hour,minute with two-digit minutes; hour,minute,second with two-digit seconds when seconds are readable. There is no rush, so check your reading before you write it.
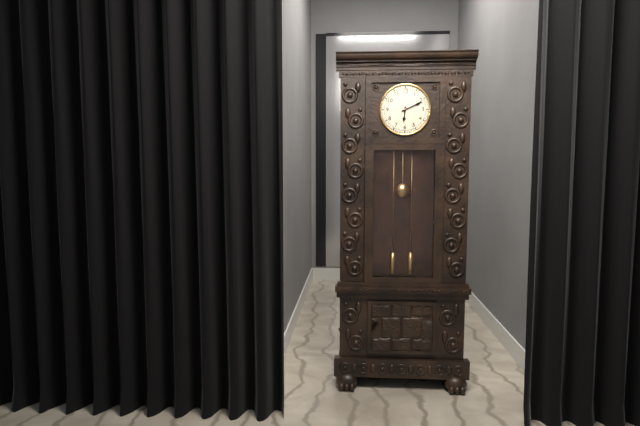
6,11
